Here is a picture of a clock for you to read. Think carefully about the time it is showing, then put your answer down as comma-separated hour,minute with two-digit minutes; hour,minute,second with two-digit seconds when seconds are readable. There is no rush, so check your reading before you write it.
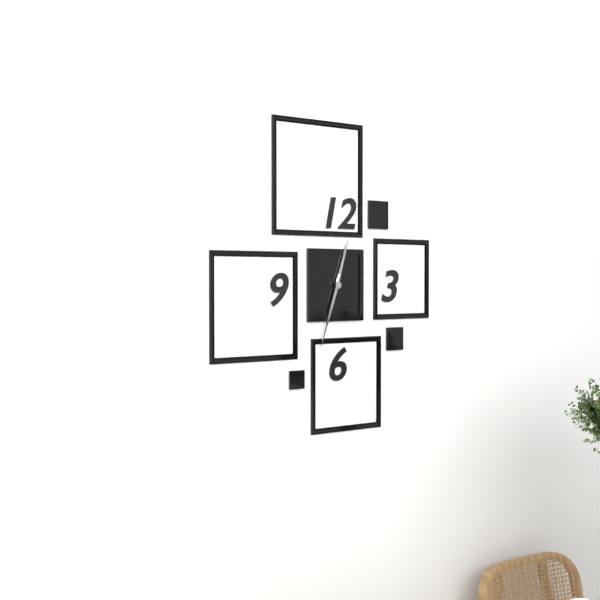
12,33
